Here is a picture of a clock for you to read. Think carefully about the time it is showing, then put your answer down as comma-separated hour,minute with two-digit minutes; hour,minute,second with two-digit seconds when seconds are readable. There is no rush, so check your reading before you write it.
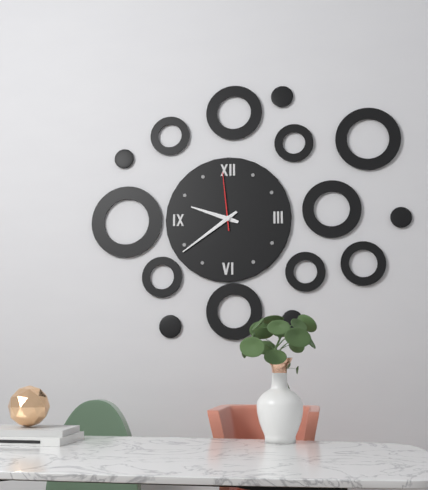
9,39,59
